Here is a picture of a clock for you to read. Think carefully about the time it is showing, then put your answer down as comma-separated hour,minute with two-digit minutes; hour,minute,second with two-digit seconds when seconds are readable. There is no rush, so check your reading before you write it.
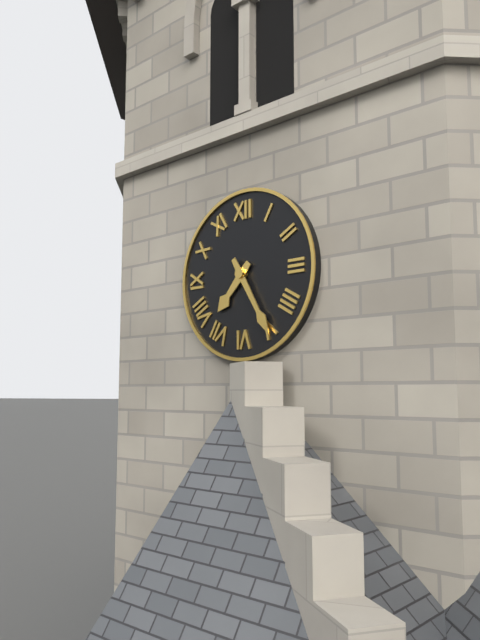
7,25
